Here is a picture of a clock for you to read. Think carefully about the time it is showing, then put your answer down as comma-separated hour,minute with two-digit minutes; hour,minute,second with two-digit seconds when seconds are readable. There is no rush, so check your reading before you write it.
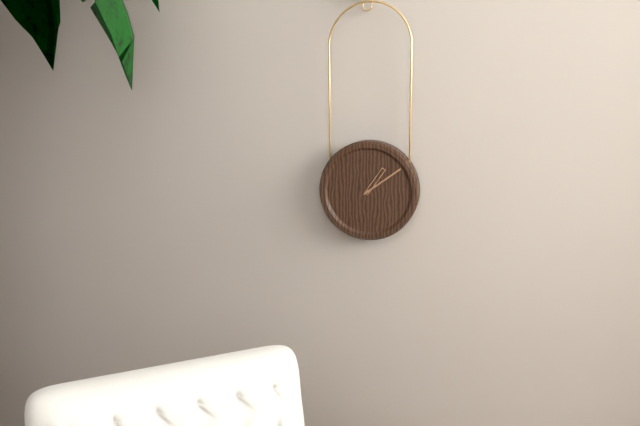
1,09
